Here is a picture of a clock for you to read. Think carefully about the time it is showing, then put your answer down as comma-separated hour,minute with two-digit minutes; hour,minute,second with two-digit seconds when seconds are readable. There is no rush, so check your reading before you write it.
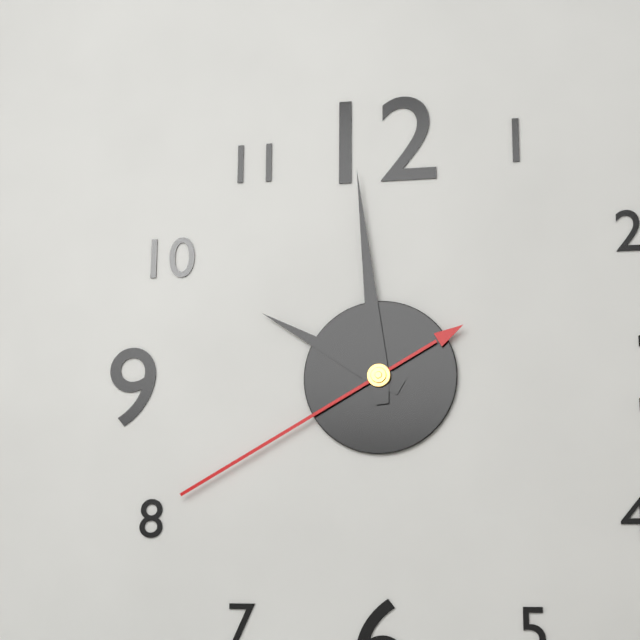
9,59,40
